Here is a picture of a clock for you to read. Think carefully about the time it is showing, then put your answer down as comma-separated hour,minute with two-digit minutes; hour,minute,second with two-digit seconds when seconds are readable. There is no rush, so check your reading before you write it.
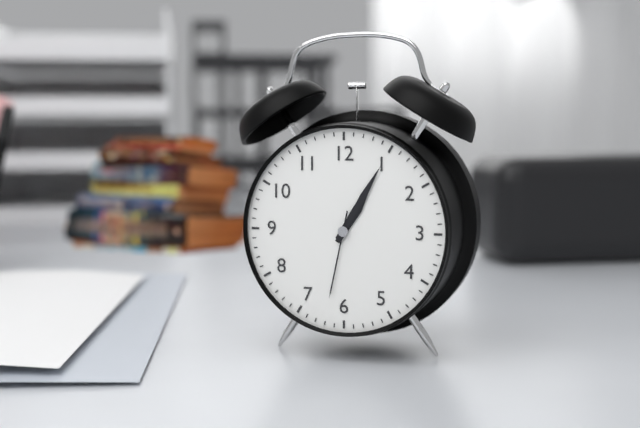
1,05,32
